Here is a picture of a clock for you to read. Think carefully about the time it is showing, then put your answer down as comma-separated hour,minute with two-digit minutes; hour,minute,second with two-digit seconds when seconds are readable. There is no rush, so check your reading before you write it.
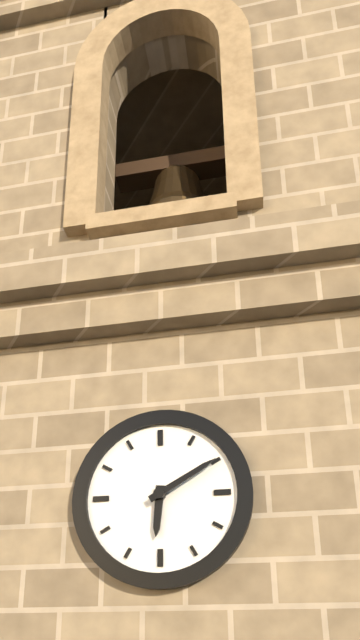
6,10
